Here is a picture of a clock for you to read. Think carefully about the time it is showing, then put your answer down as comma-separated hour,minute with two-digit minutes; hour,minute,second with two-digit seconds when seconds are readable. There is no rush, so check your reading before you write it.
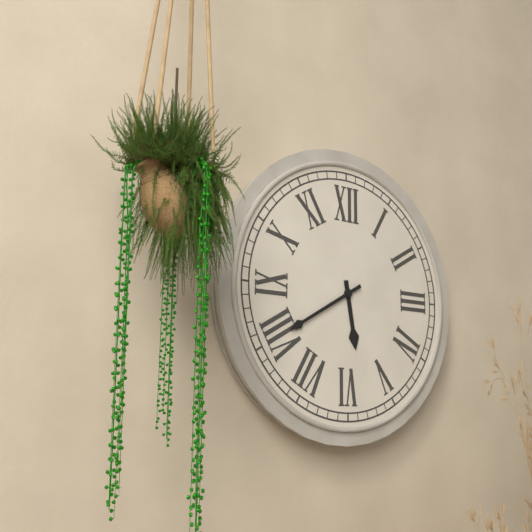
5,40
